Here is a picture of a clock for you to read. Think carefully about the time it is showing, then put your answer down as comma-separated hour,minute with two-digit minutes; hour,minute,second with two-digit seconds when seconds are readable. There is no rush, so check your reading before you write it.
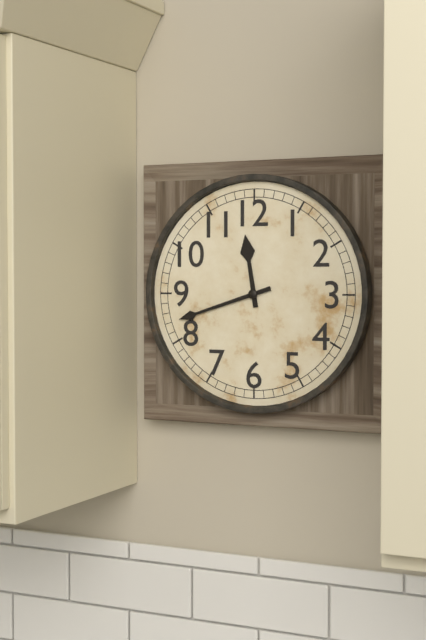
11,42
